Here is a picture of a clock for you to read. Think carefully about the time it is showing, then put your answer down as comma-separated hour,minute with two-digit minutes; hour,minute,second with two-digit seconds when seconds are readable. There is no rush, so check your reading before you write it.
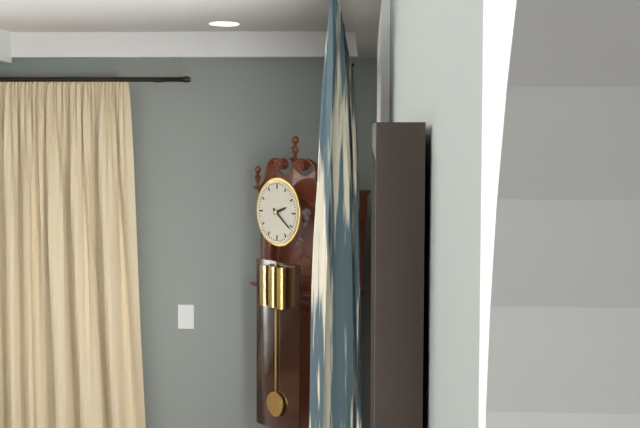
2,21
